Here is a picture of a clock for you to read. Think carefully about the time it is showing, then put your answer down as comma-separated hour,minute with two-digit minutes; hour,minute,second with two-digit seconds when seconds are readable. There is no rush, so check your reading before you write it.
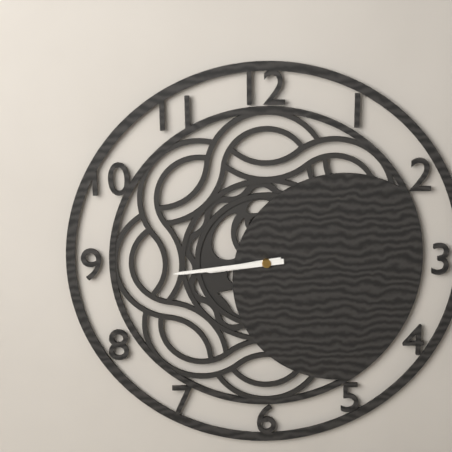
8,44
